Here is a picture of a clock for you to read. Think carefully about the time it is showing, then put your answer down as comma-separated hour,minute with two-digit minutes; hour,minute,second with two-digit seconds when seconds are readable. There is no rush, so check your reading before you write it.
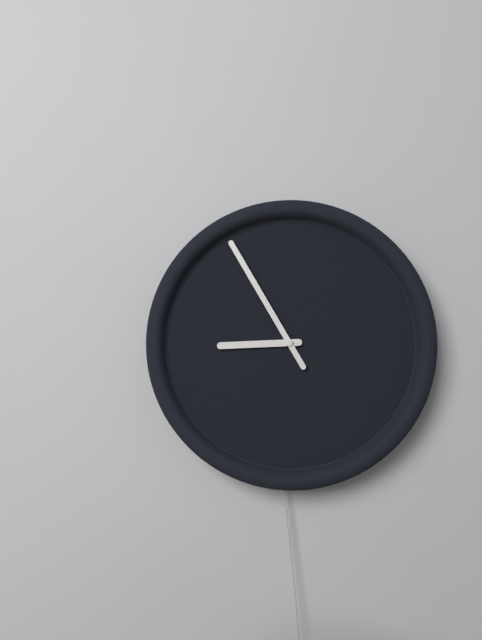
8,55
